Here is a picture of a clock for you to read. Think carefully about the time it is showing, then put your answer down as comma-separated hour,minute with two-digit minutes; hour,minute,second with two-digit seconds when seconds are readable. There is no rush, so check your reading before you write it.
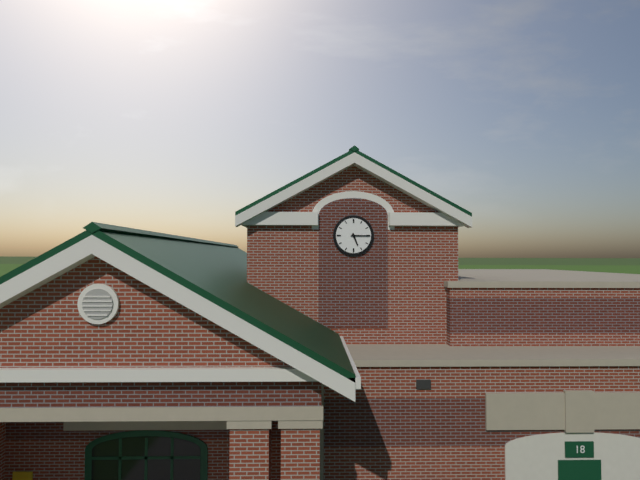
5,15
